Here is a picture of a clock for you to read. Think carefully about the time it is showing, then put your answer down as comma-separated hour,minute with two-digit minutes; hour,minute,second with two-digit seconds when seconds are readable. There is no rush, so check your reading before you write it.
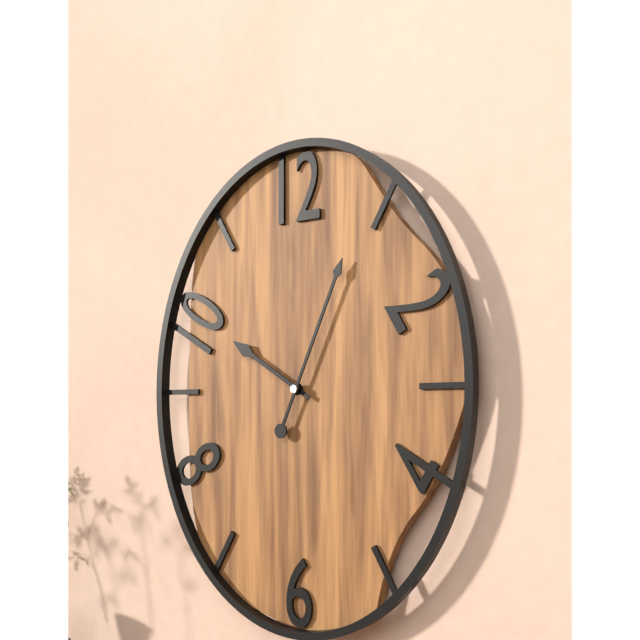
10,04
